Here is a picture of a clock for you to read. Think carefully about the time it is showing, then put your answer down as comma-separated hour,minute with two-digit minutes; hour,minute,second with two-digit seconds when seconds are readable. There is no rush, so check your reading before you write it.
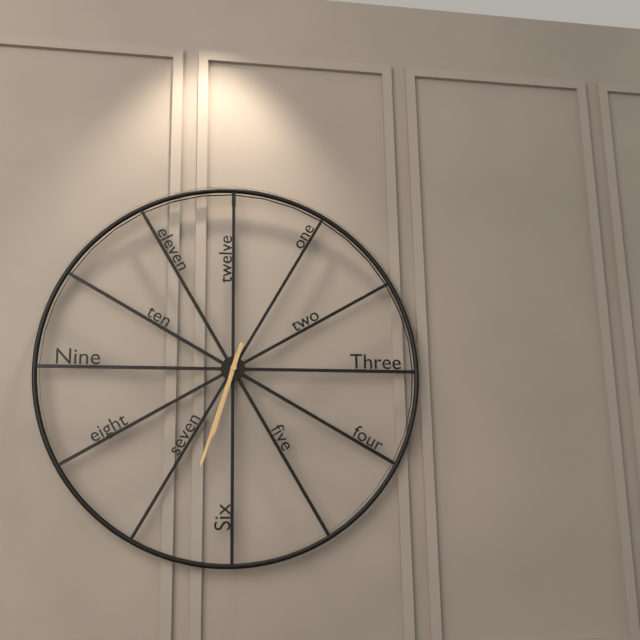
6,33
